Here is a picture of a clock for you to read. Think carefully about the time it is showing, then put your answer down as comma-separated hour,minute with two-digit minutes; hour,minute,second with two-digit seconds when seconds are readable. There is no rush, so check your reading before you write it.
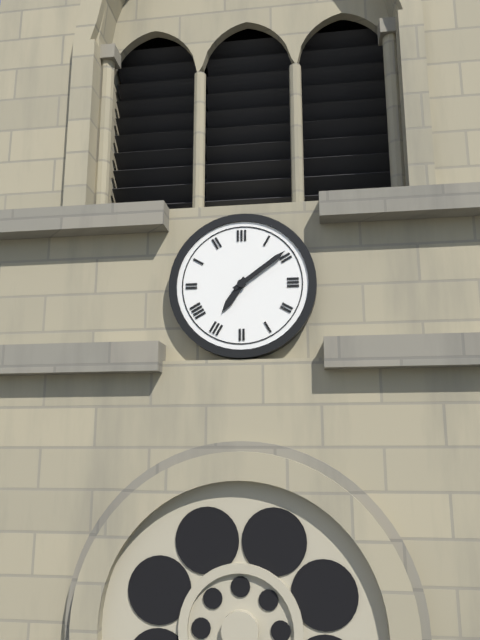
7,09
